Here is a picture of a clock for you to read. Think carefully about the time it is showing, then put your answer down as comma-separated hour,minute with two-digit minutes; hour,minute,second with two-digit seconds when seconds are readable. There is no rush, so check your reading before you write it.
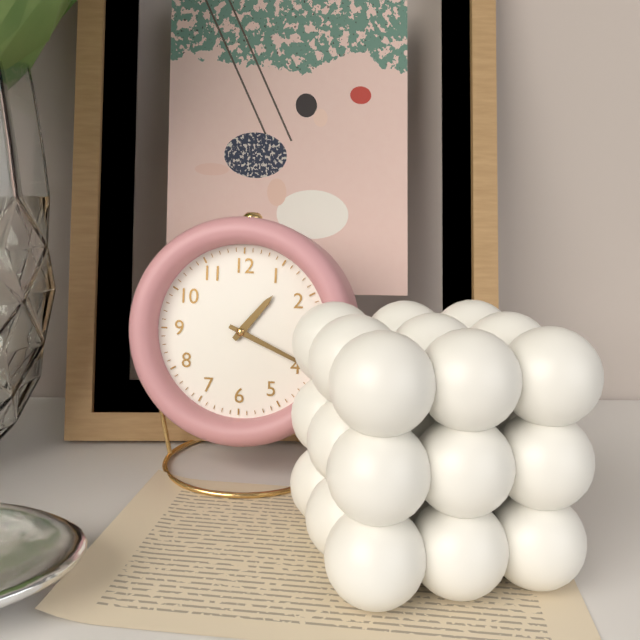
1,19
